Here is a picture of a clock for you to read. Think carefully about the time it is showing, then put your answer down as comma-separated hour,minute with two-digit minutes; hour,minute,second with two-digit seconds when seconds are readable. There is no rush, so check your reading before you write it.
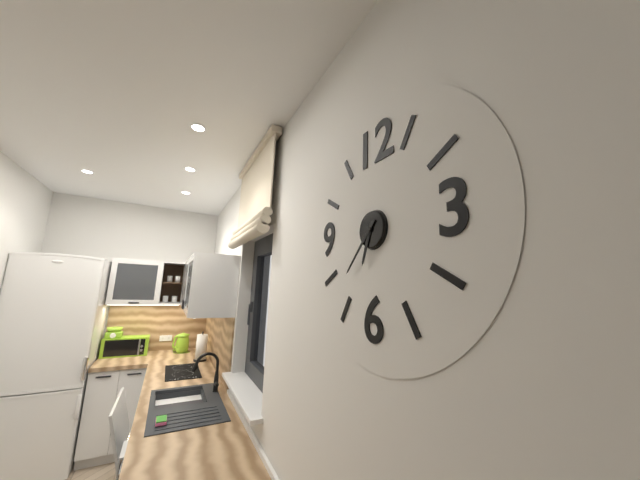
6,37
